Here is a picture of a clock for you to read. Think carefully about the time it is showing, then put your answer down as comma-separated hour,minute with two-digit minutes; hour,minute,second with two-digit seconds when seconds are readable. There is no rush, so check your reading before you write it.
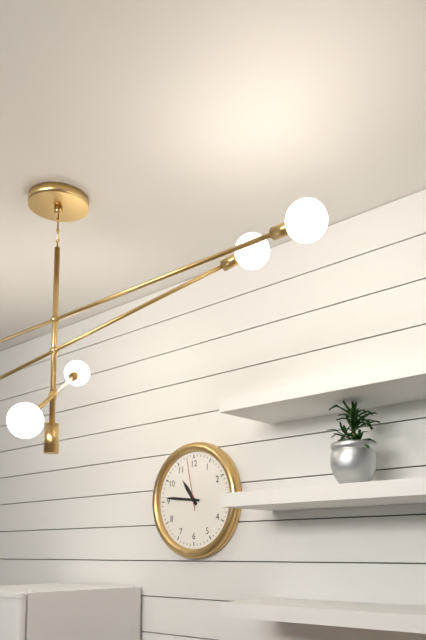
10,46,58
